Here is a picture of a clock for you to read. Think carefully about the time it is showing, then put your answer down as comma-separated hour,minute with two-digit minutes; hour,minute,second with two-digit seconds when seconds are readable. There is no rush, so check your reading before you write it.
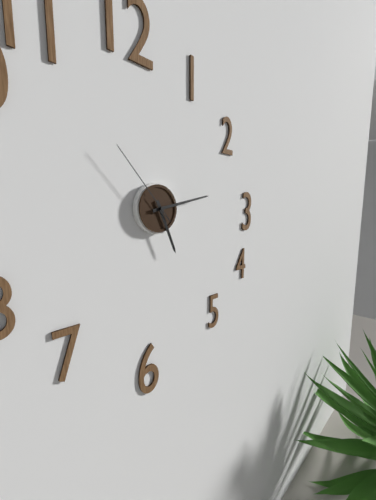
5,13,53
